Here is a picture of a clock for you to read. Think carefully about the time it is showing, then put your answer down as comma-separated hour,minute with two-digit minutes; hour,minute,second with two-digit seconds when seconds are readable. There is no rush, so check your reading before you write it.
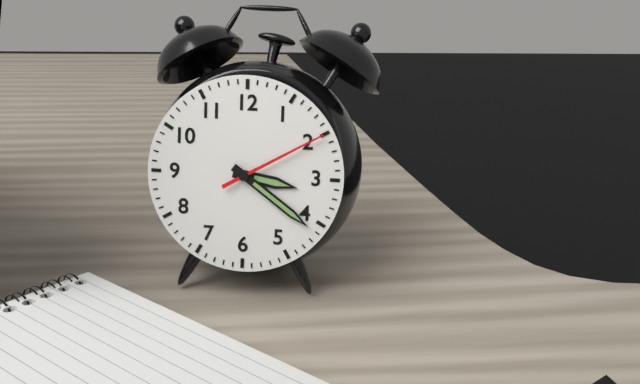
3,21,10
